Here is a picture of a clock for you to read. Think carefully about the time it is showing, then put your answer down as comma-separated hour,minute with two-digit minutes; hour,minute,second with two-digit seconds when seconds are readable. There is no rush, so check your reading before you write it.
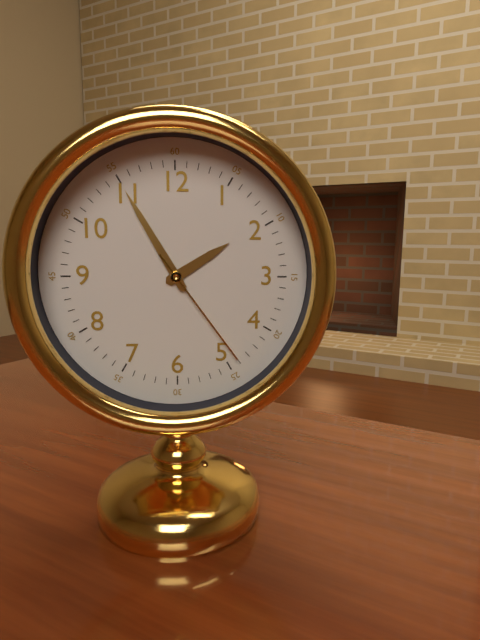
1,55,24
